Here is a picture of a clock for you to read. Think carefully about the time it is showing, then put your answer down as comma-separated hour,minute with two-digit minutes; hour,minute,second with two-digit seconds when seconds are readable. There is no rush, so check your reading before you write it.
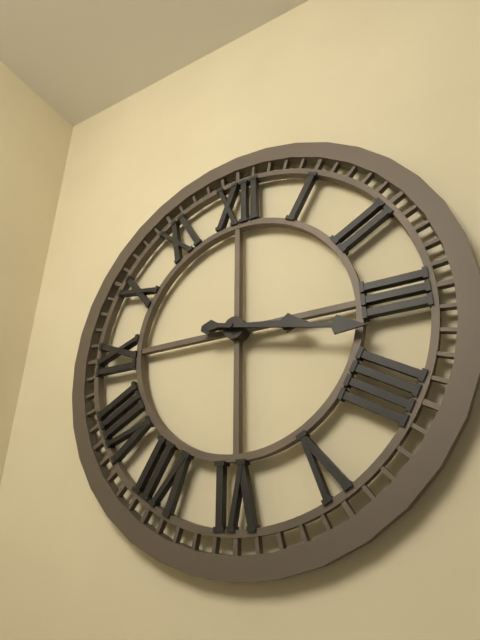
3,17
